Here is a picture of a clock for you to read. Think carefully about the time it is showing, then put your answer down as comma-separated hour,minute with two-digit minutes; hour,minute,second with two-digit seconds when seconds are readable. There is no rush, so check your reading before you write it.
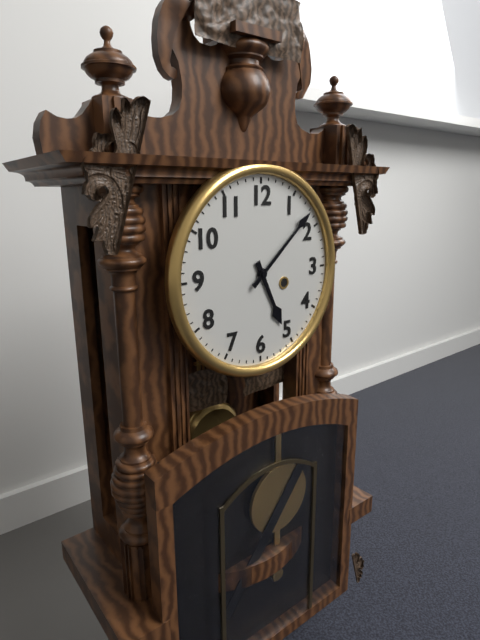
5,08
